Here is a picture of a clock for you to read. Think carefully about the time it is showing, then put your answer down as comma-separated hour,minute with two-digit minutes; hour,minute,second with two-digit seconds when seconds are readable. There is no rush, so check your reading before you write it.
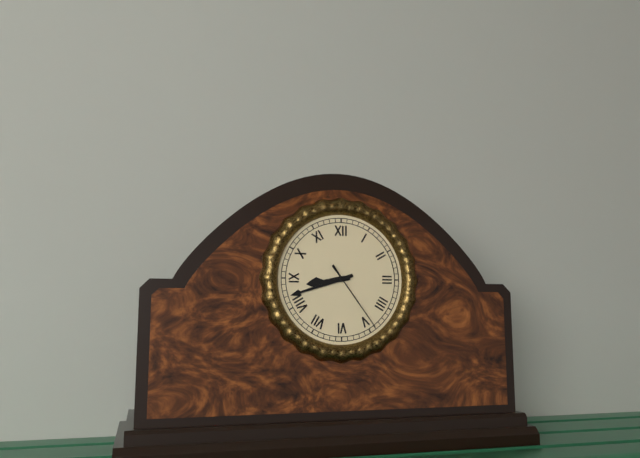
8,42,24
